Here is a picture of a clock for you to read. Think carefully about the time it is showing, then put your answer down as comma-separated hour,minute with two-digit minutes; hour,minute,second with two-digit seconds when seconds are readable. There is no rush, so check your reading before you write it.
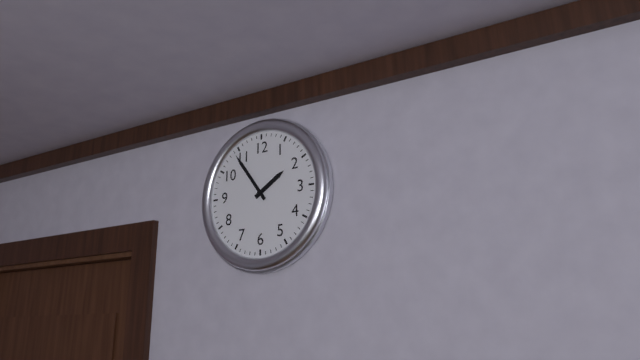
1,54
